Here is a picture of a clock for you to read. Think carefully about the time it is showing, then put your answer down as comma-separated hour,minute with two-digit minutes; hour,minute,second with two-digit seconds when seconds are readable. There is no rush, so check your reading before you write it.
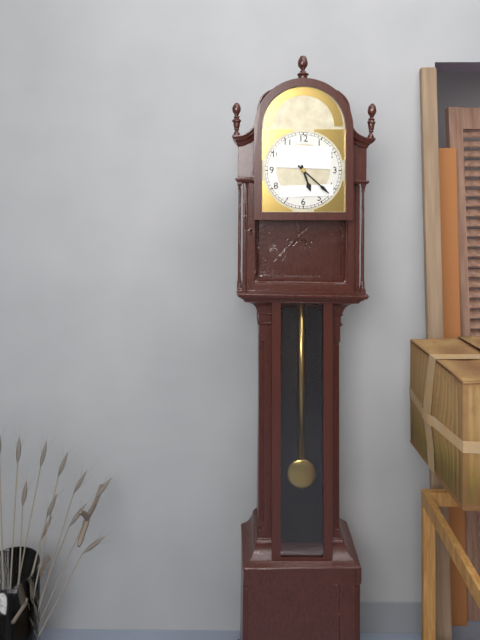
5,22
